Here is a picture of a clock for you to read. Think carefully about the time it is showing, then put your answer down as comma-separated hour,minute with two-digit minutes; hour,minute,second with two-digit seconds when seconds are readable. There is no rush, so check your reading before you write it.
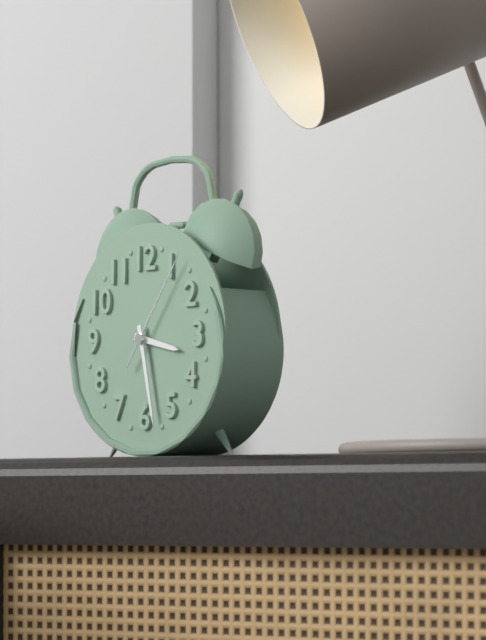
3,28,06
